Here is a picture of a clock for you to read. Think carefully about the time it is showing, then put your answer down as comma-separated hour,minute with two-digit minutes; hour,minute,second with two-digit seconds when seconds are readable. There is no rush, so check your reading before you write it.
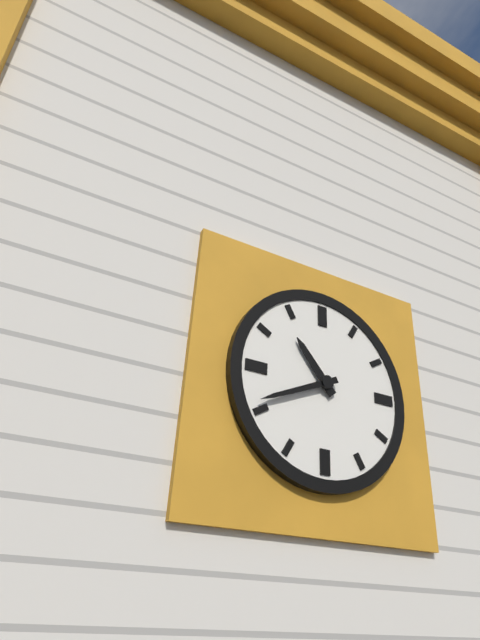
10,41
